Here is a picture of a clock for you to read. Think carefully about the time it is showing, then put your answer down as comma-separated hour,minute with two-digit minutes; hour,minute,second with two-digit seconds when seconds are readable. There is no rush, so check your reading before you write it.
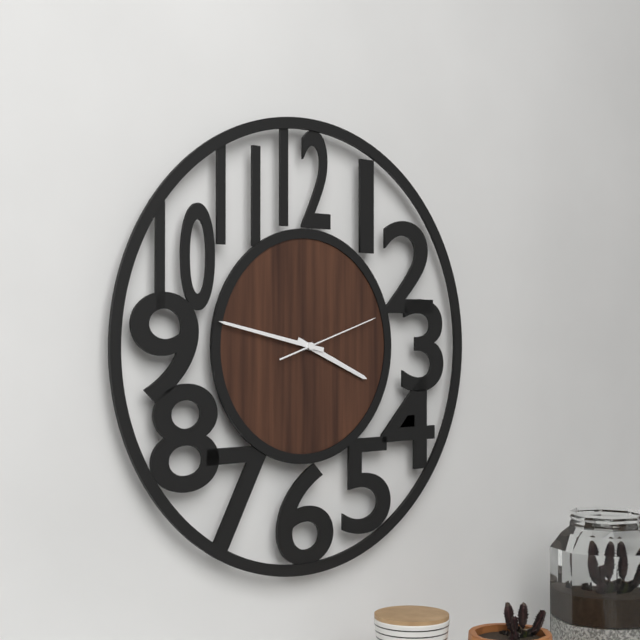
3,47,12
